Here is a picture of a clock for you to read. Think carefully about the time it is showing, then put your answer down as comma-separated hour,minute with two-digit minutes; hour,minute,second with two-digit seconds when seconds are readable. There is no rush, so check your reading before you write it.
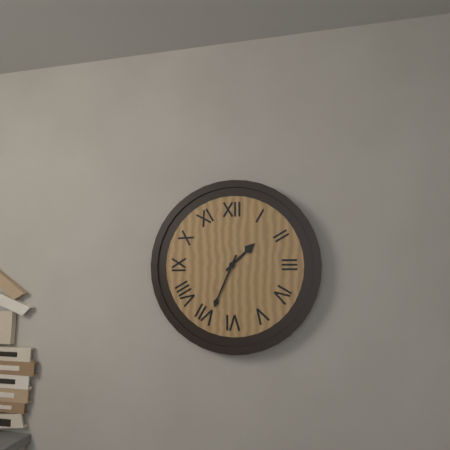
1,34
